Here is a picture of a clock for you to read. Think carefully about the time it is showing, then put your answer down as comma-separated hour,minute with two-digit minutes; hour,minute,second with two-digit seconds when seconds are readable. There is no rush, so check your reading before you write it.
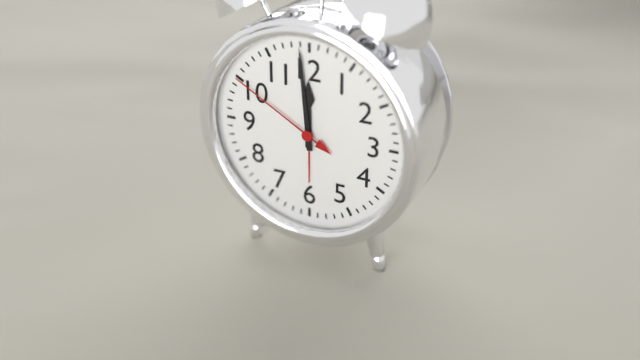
11,59,50
